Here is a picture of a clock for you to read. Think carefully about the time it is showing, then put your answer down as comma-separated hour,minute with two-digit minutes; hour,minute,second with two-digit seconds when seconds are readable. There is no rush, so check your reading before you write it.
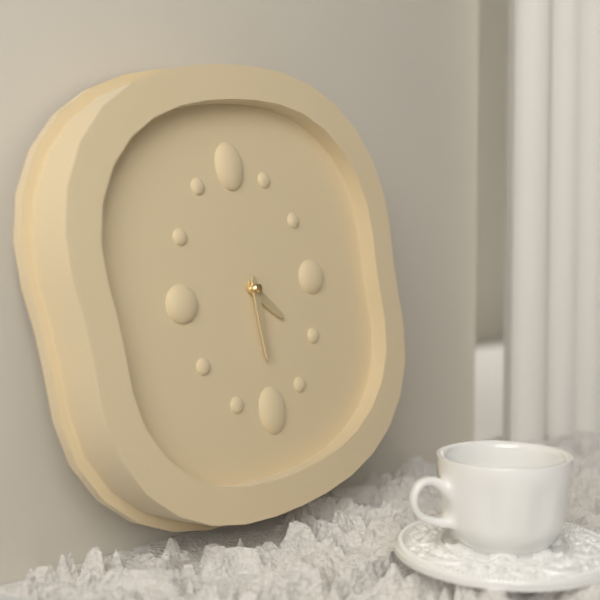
4,30
